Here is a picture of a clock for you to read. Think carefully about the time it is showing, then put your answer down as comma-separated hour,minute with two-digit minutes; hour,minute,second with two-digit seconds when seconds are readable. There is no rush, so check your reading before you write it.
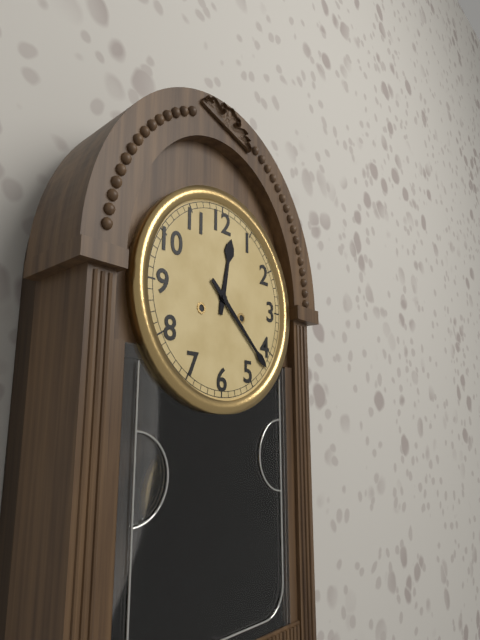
12,22
